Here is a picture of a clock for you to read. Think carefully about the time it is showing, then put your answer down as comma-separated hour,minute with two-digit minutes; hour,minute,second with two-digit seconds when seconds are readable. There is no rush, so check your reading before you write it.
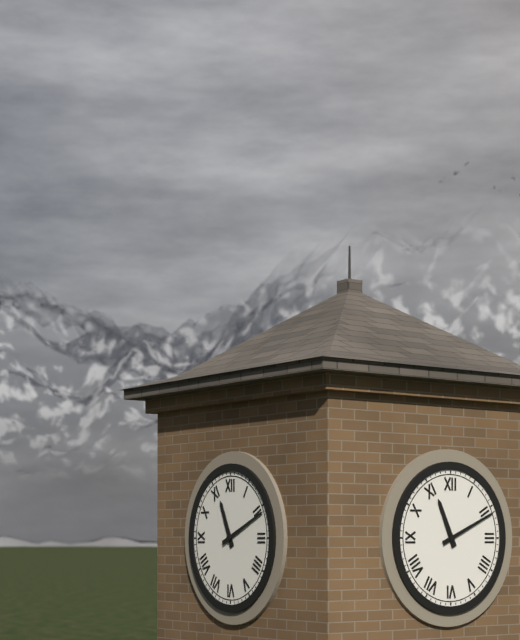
11,11
